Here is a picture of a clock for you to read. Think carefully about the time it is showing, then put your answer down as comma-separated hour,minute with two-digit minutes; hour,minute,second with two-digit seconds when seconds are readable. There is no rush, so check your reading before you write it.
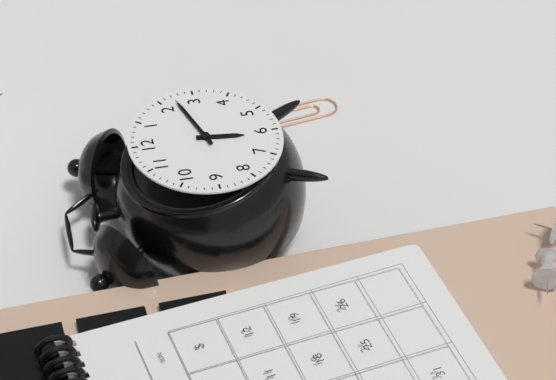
6,12
